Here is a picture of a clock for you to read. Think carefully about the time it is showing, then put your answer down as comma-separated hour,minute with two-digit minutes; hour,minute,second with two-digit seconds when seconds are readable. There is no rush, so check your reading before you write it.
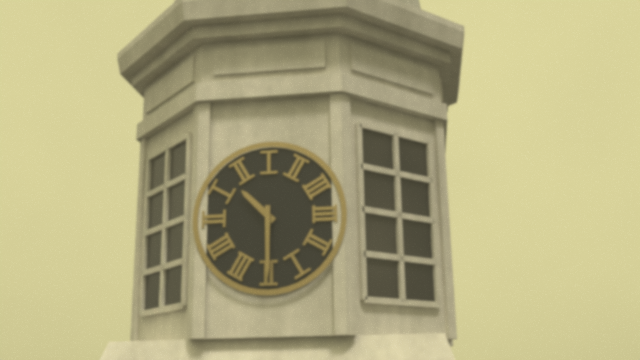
10,30
